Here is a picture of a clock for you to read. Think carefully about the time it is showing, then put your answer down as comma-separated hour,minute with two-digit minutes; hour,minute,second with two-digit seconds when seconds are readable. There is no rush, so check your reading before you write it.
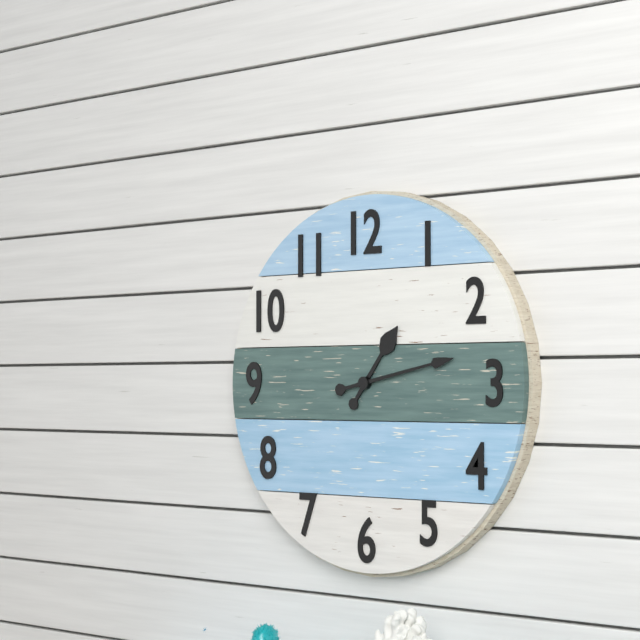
1,13
